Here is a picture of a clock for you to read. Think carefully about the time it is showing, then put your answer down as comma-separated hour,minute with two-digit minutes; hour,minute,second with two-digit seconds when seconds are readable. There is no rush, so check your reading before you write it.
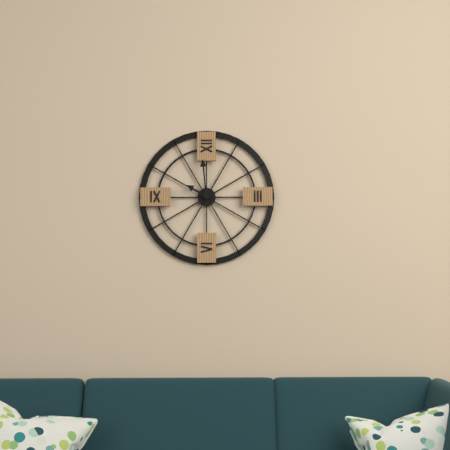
9,59
